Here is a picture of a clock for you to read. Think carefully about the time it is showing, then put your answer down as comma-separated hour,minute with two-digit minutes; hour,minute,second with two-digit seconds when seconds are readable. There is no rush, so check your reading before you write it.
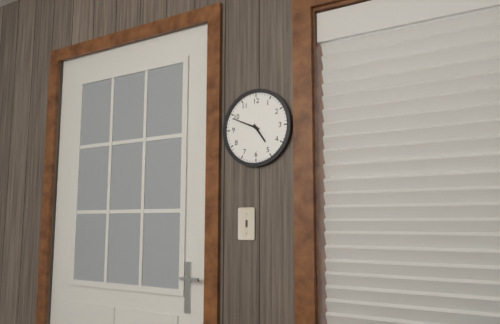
4,49
